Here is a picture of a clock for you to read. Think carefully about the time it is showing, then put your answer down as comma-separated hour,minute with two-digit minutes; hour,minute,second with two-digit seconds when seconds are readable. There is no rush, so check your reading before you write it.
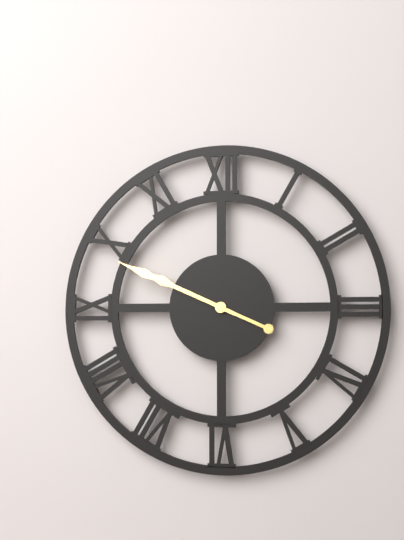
9,49
